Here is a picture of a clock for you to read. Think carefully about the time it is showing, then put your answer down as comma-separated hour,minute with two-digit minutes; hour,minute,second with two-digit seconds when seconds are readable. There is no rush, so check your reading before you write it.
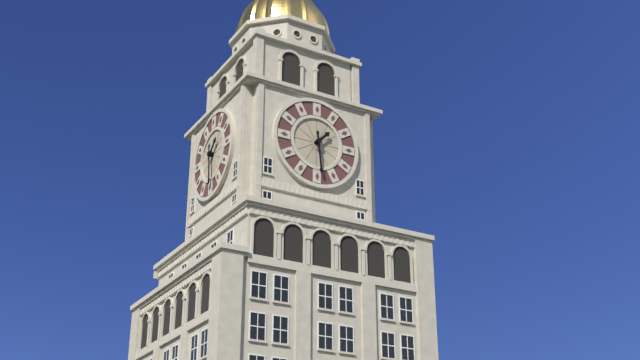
1,29
